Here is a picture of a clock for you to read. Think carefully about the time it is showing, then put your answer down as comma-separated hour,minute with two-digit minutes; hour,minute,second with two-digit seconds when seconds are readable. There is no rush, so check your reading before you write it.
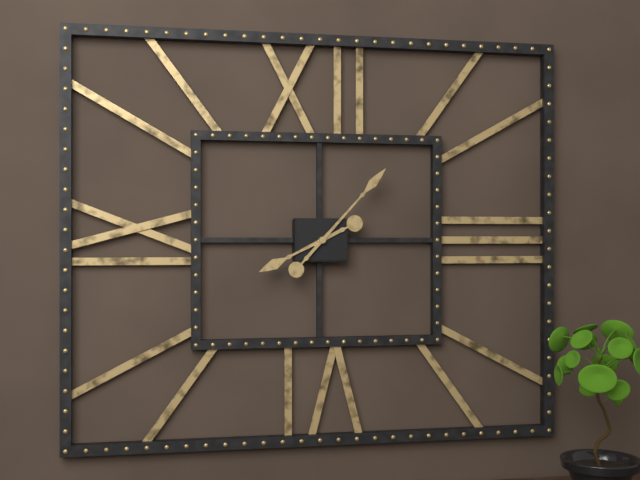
8,07
